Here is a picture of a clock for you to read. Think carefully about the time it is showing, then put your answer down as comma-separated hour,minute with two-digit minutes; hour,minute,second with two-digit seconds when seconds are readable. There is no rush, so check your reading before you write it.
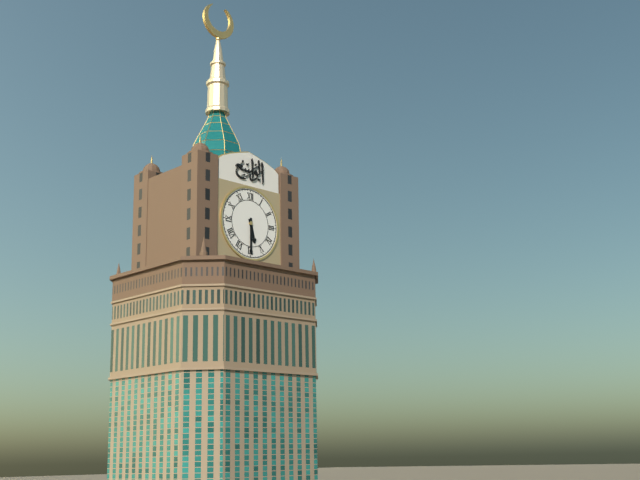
5,30
